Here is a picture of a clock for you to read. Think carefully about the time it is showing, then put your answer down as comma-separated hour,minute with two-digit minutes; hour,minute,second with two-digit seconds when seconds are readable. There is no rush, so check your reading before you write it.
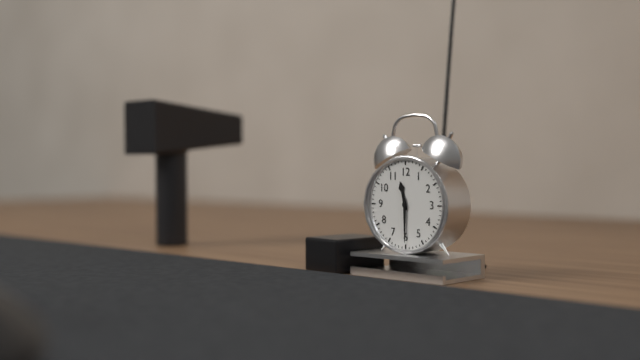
11,30
